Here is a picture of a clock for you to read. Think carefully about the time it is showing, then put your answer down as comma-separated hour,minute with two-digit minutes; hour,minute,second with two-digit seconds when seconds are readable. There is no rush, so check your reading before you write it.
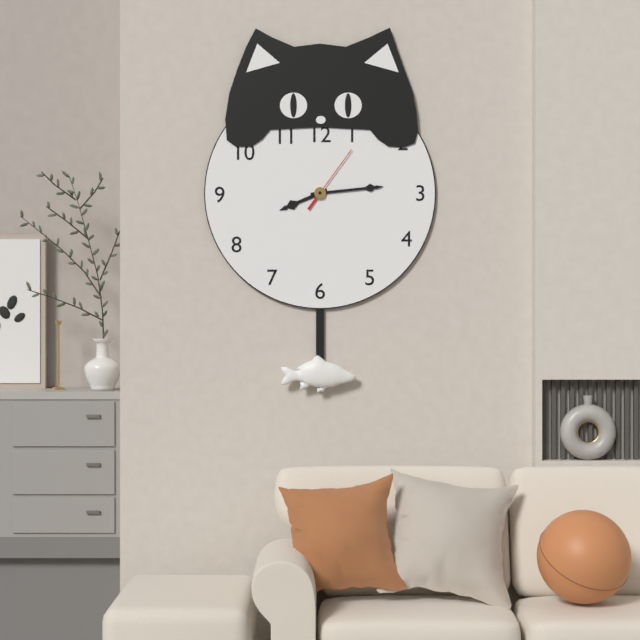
8,14,06
